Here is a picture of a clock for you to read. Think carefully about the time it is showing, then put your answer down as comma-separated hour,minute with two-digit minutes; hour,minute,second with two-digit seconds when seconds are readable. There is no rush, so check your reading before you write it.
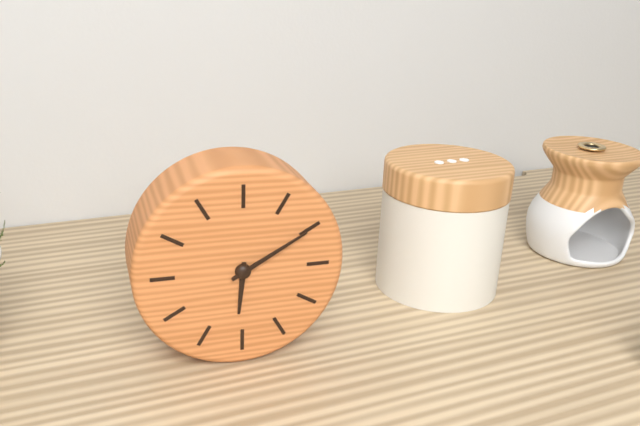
6,10
